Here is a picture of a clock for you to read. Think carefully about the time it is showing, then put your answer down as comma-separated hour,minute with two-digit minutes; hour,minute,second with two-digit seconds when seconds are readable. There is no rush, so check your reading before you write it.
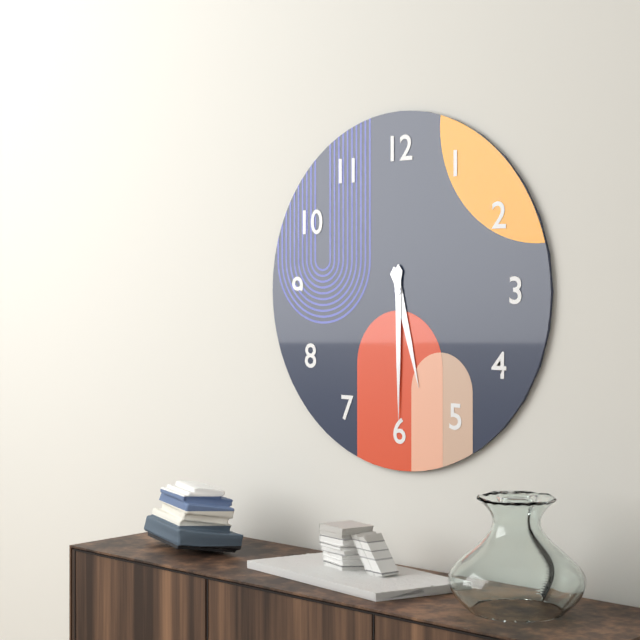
5,30
